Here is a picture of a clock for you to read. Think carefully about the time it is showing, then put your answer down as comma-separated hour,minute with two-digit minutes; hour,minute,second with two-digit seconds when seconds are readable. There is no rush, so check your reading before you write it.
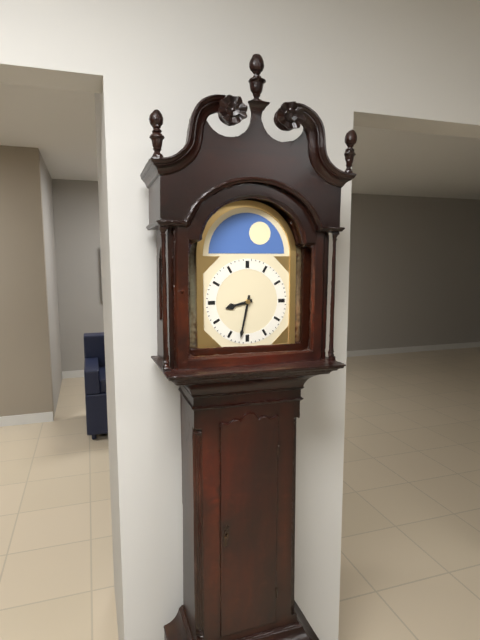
8,32
